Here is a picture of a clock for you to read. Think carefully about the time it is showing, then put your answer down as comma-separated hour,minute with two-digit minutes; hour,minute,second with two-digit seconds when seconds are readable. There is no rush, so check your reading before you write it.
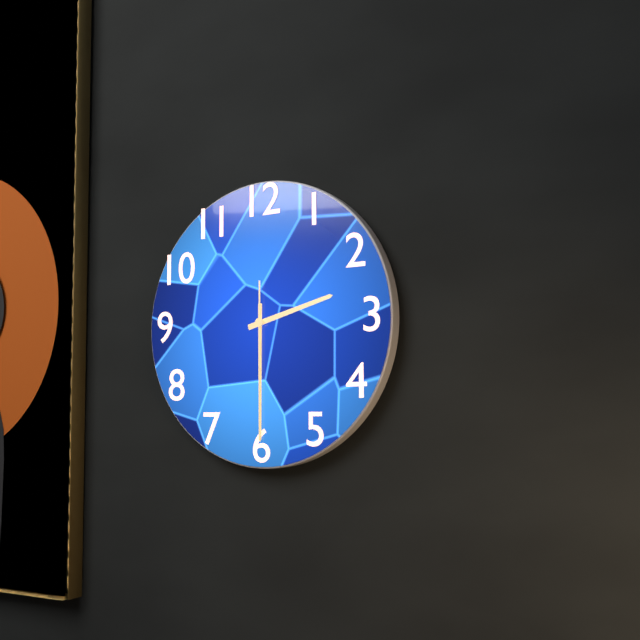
2,30,30
